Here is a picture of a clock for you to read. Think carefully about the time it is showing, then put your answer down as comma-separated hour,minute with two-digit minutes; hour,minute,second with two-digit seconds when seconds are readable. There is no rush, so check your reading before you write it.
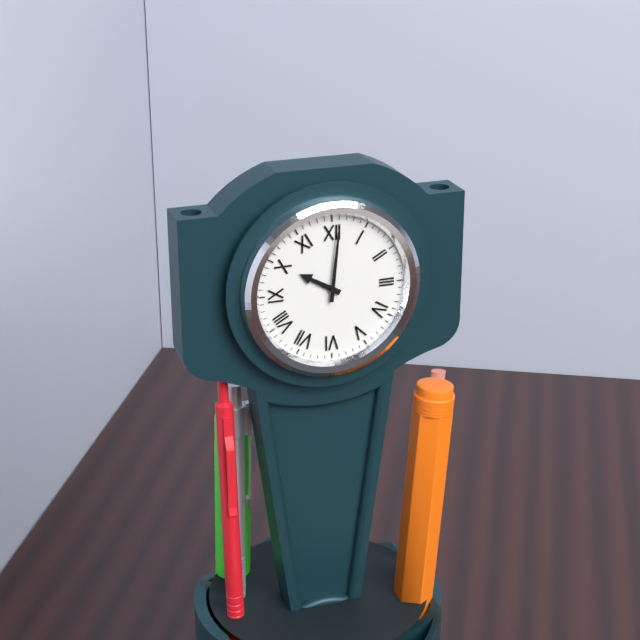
10,01
